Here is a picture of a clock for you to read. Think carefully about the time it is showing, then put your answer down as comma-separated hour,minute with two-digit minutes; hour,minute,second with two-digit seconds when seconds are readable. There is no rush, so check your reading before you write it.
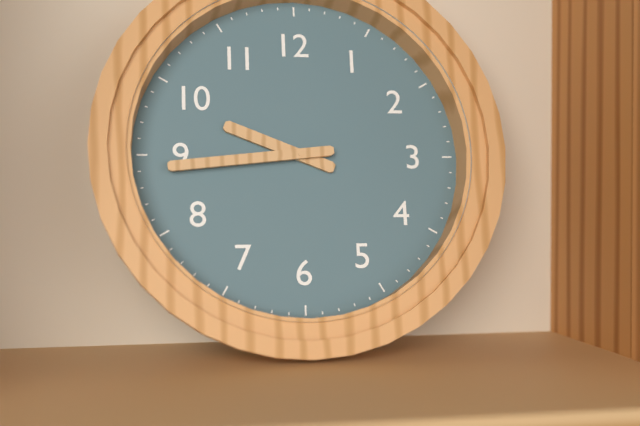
9,44
